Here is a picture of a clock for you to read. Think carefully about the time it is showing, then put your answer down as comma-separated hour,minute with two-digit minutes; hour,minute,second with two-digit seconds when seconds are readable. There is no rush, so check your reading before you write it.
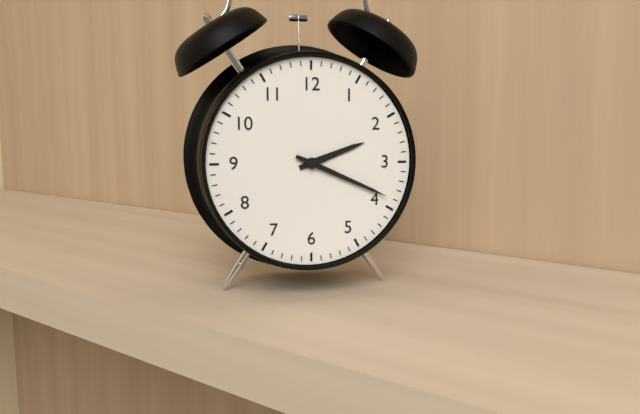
2,19
